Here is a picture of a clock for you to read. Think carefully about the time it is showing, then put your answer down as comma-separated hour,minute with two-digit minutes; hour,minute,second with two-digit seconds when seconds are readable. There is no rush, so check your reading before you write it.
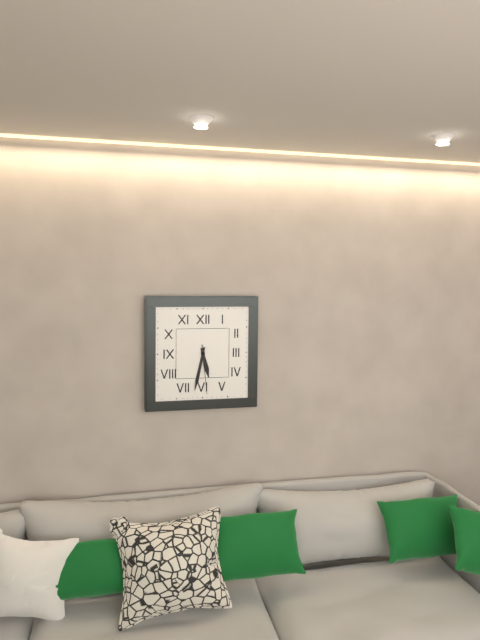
5,32,29
